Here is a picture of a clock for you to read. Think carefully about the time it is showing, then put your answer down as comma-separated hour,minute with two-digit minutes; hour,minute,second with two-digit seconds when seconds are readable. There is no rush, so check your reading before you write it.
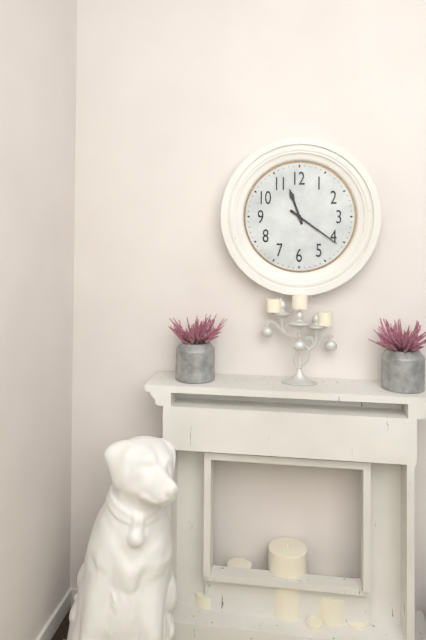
11,21
